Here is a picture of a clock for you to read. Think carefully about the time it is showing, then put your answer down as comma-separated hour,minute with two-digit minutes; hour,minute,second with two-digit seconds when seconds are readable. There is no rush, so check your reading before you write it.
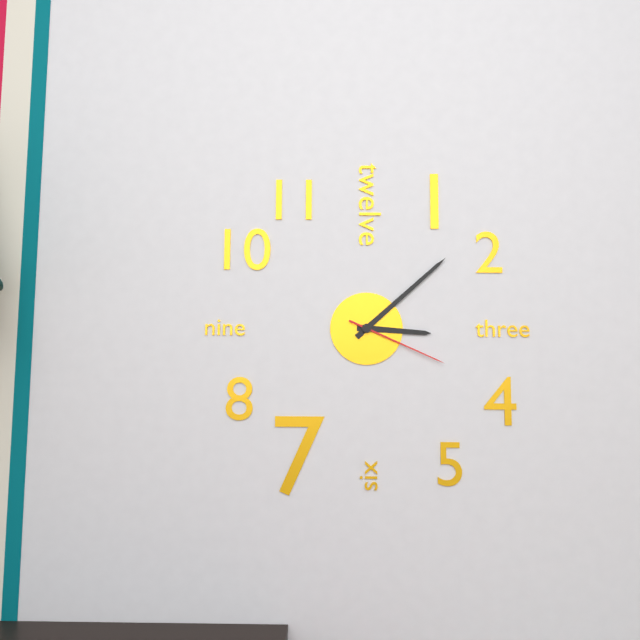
3,08,19
